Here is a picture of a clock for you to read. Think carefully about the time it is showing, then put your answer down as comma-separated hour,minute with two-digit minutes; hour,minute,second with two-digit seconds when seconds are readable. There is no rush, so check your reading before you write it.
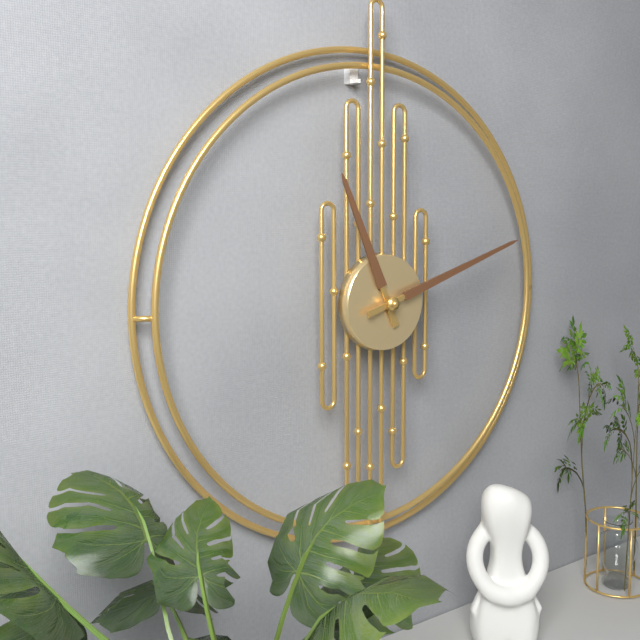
11,12
